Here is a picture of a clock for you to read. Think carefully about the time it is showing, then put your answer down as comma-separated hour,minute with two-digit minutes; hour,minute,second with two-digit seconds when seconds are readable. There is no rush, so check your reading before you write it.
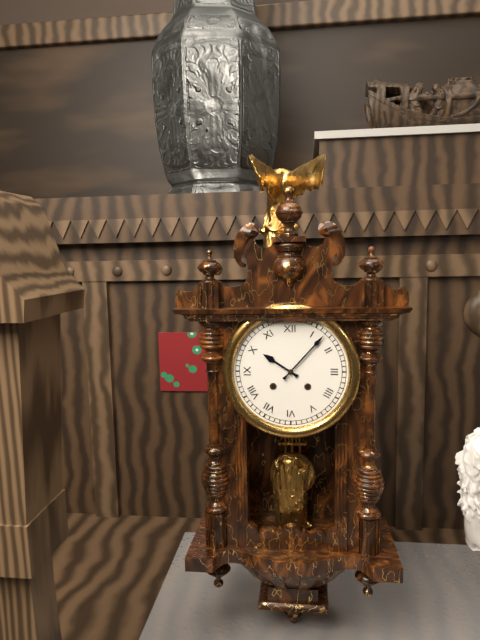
10,07
